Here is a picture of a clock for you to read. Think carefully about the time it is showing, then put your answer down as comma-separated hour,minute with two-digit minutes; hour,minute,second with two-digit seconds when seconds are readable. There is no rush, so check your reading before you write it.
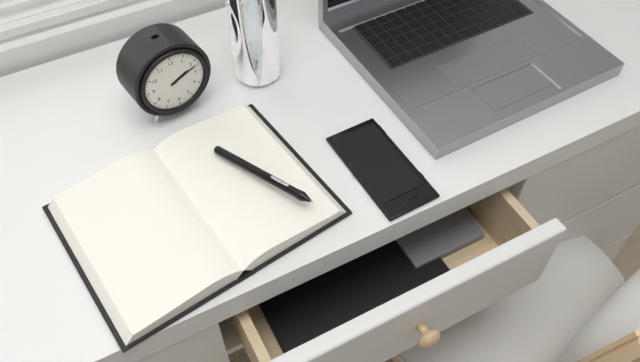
2,12
